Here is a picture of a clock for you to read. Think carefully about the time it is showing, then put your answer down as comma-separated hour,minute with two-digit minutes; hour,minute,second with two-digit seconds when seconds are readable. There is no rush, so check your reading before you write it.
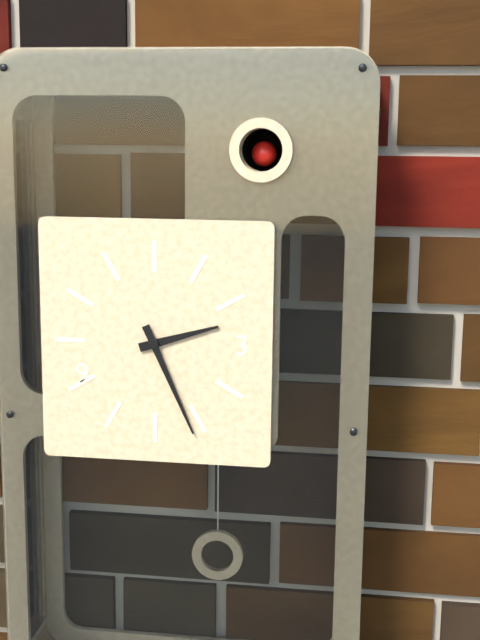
2,26
